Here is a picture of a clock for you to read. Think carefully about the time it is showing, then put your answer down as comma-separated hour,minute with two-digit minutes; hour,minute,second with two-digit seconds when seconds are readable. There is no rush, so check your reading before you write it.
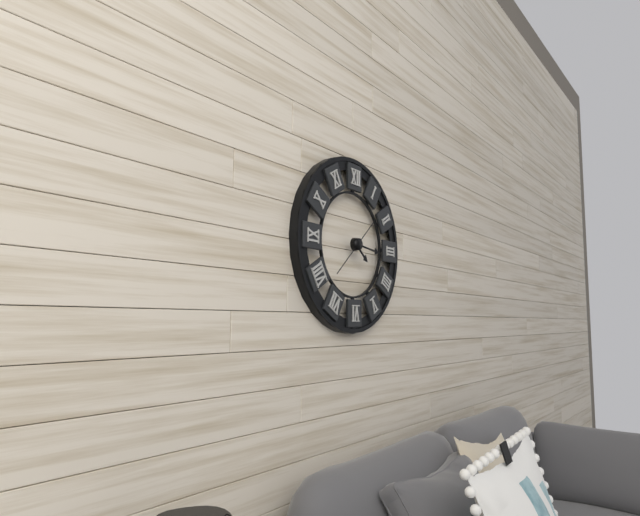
4,16
